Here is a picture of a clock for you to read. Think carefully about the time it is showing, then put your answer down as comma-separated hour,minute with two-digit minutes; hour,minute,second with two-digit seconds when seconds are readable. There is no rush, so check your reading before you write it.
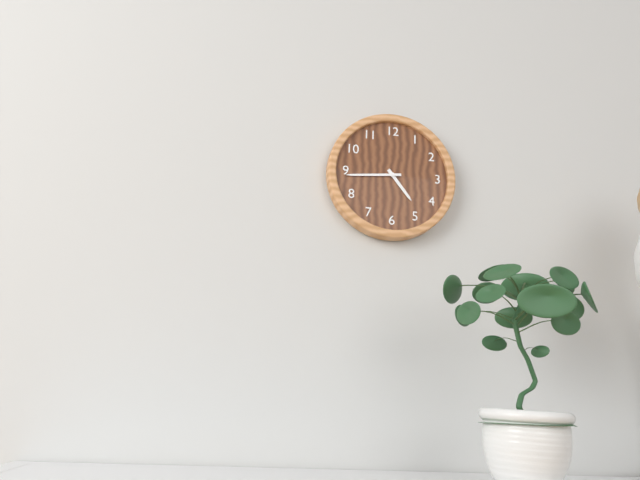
4,44
